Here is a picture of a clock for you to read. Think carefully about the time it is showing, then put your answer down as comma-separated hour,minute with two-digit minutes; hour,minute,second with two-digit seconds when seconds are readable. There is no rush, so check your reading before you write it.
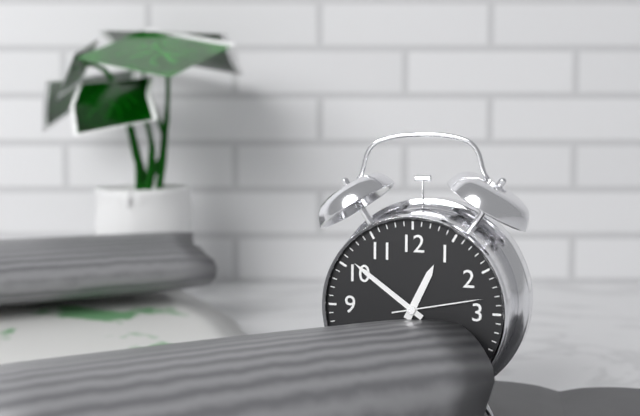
12,51,13
